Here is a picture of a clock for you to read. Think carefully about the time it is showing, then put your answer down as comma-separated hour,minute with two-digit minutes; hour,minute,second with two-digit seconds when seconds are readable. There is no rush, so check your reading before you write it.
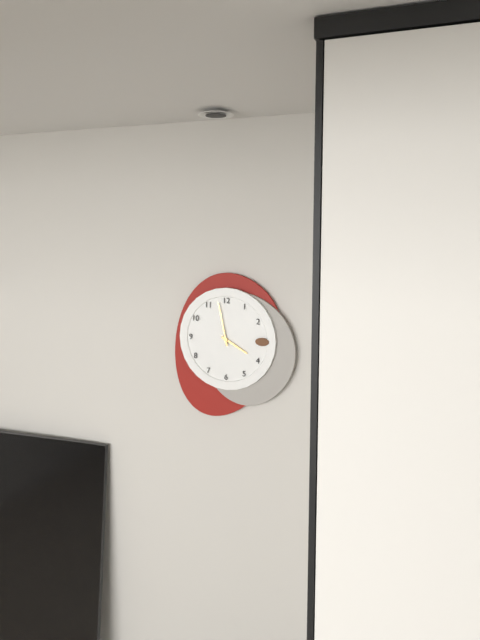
3,58
